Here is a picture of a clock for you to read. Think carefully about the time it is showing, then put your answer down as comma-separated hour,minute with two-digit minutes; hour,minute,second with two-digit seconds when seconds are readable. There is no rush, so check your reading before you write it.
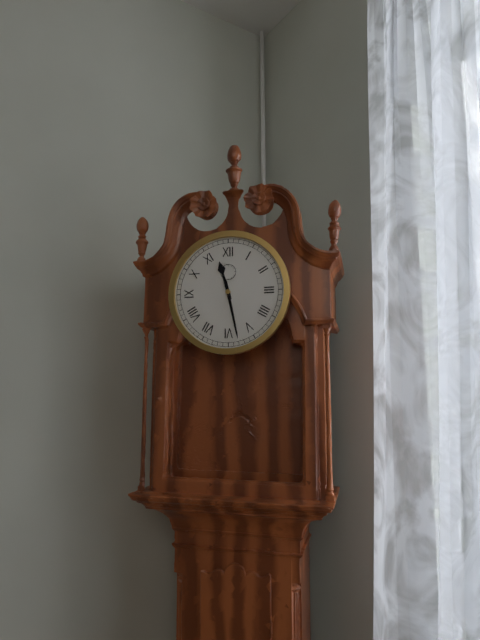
11,28
